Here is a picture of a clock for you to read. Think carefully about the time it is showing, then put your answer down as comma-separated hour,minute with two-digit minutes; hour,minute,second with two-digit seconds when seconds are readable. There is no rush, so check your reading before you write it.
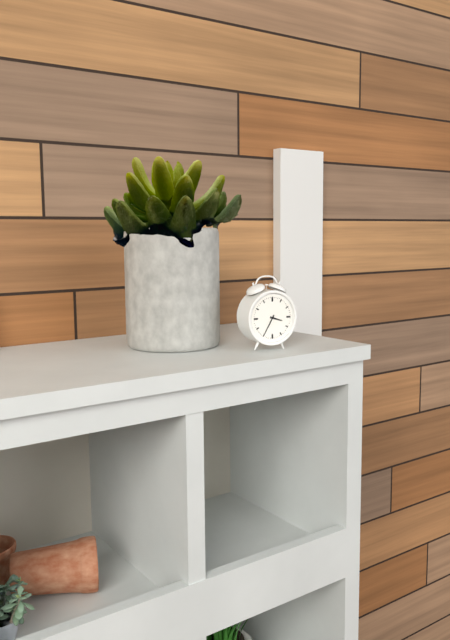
3,35
